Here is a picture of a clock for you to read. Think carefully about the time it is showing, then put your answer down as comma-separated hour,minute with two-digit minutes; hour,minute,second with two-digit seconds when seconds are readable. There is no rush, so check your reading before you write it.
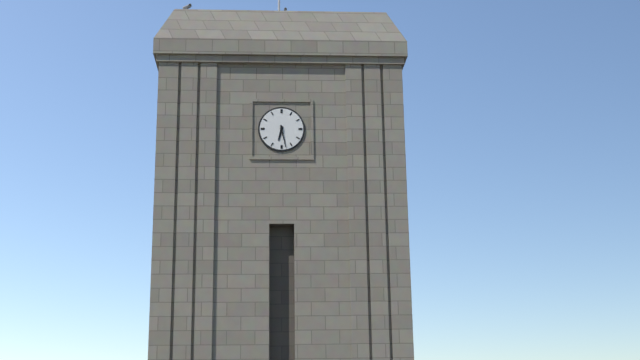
6,28
